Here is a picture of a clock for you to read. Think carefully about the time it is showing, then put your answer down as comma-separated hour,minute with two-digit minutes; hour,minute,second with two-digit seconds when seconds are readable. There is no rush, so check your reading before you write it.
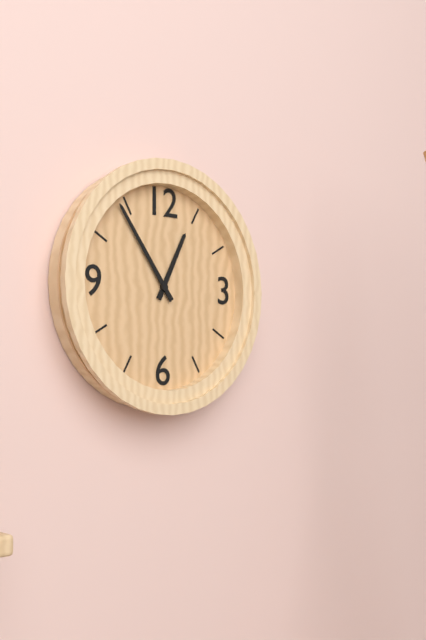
12,54
